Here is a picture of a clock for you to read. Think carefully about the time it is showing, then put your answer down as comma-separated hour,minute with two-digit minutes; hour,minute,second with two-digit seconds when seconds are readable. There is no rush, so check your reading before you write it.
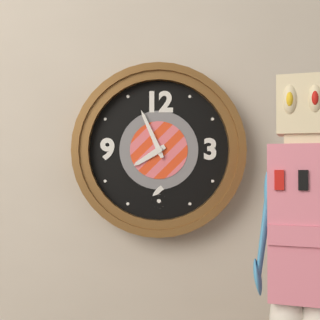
7,56
